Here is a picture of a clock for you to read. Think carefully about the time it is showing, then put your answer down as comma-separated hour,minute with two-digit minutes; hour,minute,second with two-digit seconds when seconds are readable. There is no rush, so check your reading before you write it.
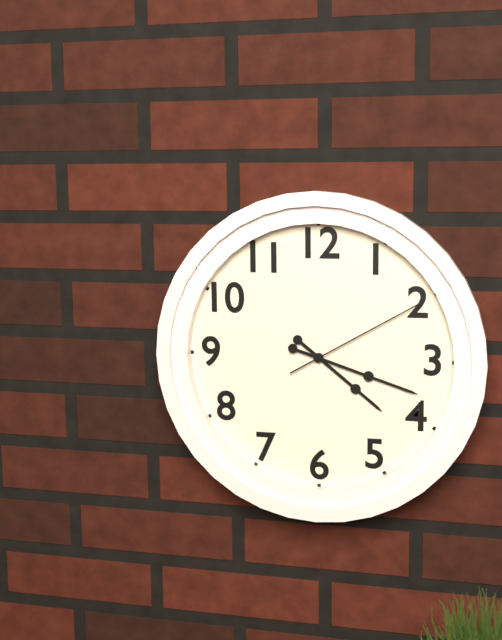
4,18,10
